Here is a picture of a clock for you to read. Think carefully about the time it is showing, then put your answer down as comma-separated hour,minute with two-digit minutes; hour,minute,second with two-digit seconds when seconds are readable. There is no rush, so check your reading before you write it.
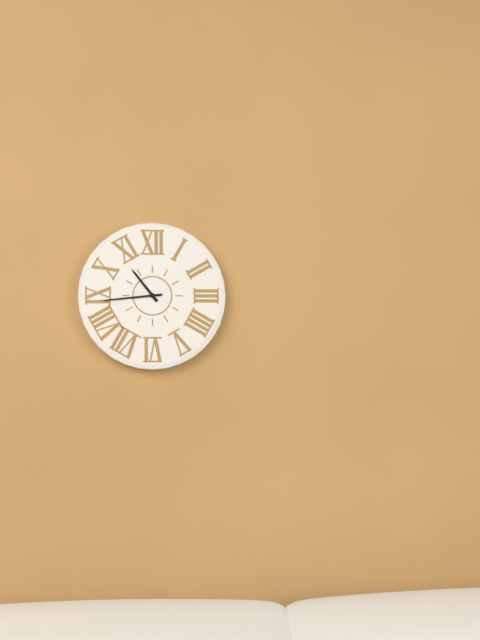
10,44
